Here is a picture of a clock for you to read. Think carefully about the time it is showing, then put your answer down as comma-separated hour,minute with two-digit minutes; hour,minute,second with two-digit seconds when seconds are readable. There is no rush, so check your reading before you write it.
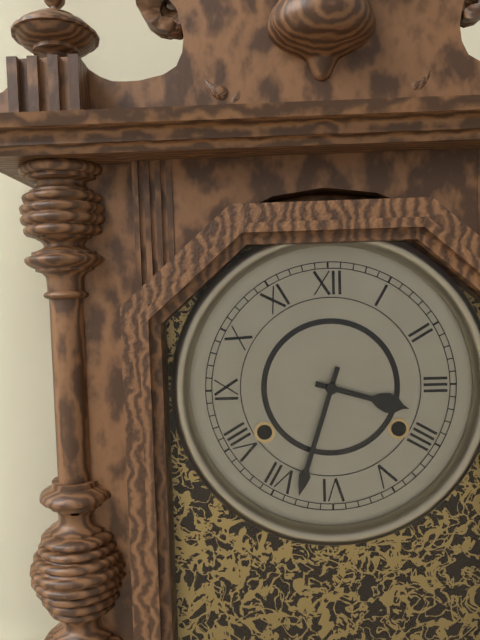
3,33
